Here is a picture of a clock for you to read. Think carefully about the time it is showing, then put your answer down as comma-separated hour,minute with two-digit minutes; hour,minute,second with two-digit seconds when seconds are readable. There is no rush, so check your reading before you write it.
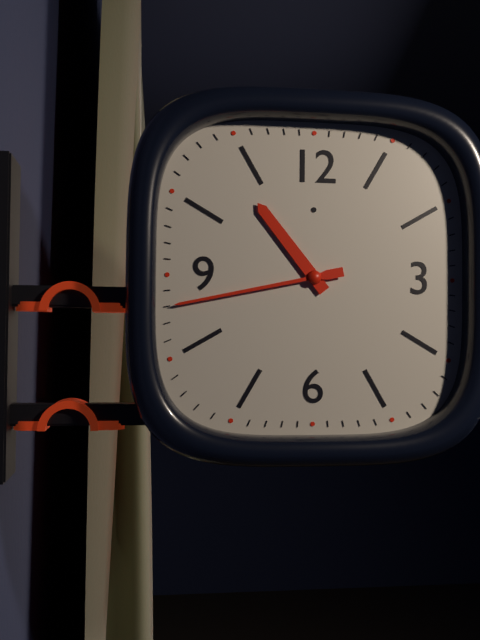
10,43
